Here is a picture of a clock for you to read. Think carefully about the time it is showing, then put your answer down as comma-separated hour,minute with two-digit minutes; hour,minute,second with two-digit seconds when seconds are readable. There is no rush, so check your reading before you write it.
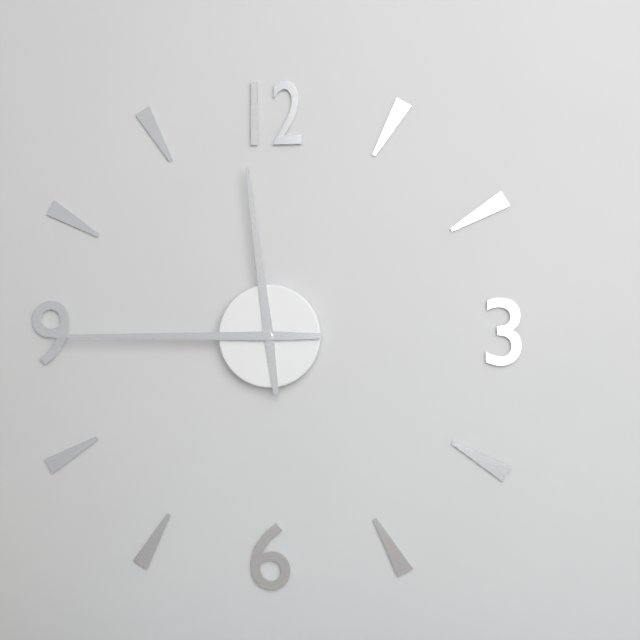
11,45
